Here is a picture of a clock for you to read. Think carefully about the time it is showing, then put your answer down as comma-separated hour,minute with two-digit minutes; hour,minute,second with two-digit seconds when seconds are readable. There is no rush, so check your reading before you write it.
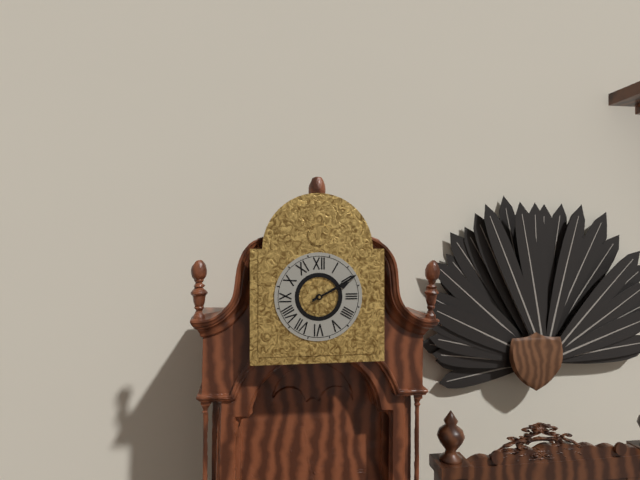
2,10
